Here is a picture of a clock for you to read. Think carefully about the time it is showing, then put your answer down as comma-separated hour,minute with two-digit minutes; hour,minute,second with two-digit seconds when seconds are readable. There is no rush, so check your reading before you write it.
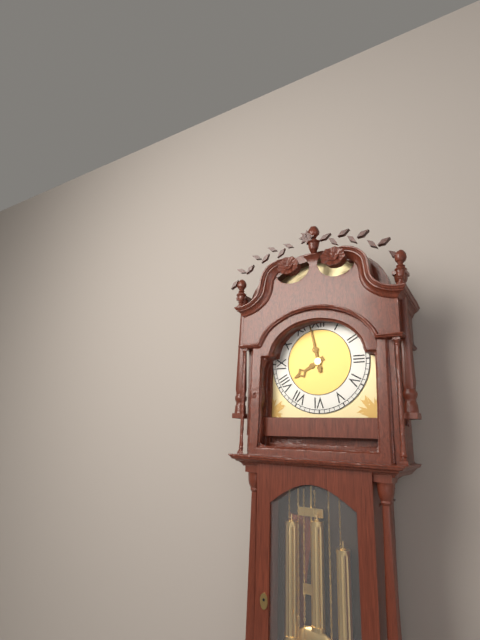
7,58
